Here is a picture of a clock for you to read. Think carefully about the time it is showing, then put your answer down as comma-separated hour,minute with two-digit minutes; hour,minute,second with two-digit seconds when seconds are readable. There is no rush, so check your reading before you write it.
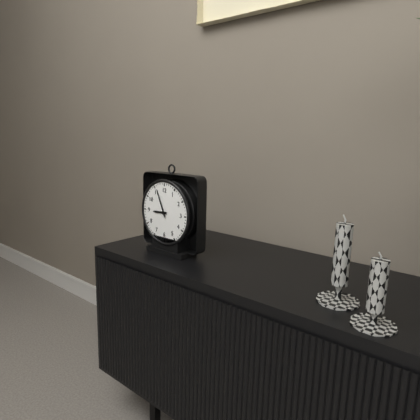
8,56
